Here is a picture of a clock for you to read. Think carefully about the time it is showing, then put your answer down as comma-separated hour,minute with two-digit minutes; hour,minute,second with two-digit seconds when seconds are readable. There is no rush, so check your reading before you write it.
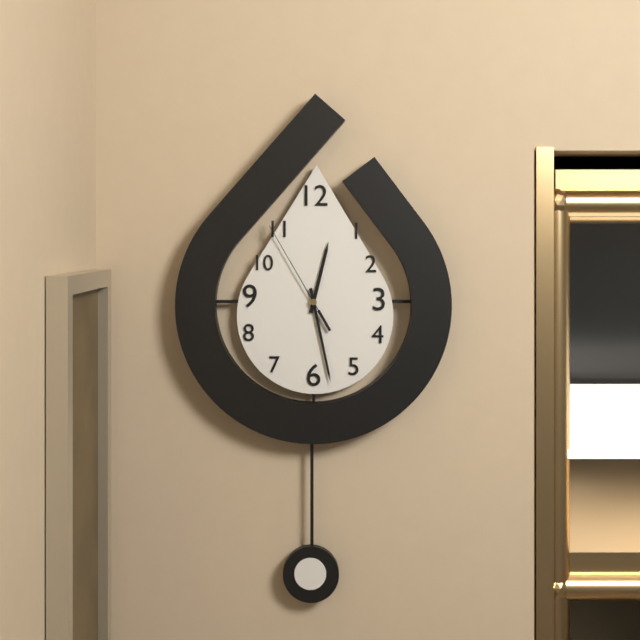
12,28,55
